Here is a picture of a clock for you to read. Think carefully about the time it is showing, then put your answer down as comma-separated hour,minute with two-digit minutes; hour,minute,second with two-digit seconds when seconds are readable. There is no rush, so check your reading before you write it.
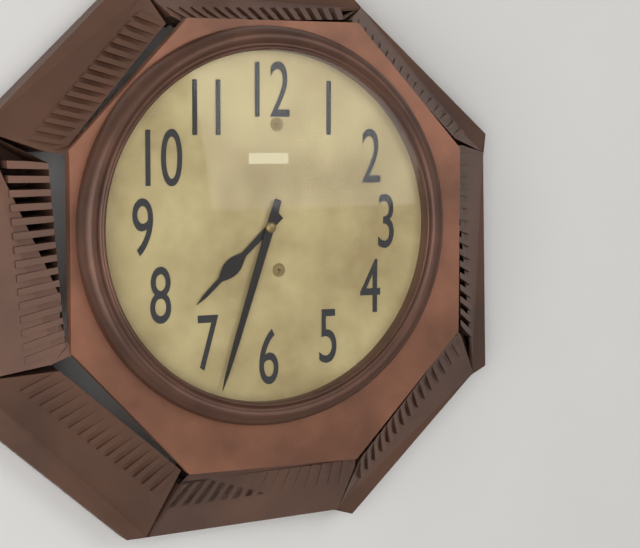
7,33
